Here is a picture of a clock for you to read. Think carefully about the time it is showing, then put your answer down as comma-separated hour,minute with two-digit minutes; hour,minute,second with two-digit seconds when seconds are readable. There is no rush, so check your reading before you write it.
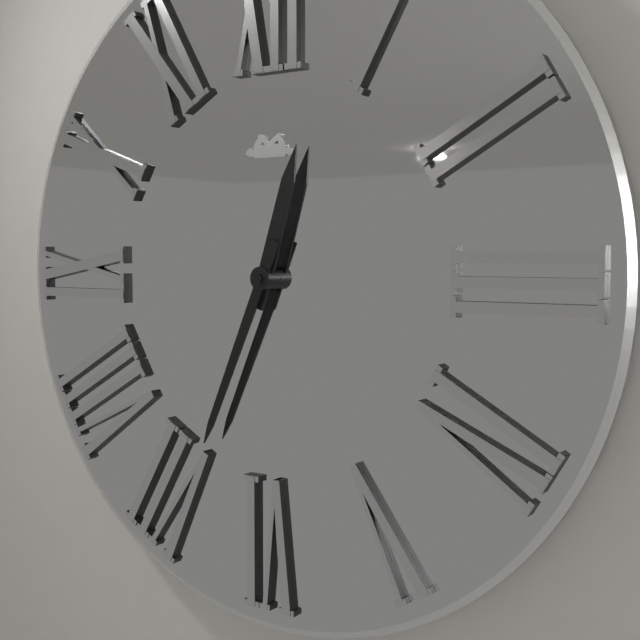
12,34
